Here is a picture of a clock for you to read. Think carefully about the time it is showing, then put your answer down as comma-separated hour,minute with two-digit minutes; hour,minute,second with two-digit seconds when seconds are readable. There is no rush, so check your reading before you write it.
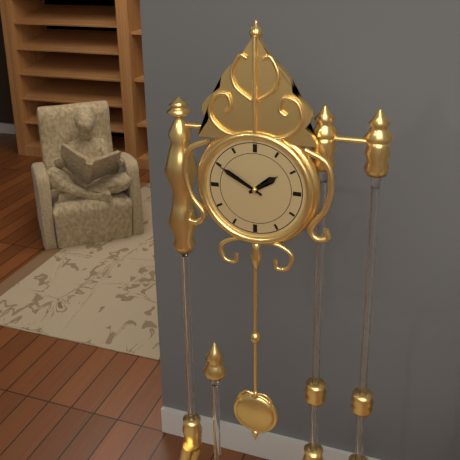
1,50
